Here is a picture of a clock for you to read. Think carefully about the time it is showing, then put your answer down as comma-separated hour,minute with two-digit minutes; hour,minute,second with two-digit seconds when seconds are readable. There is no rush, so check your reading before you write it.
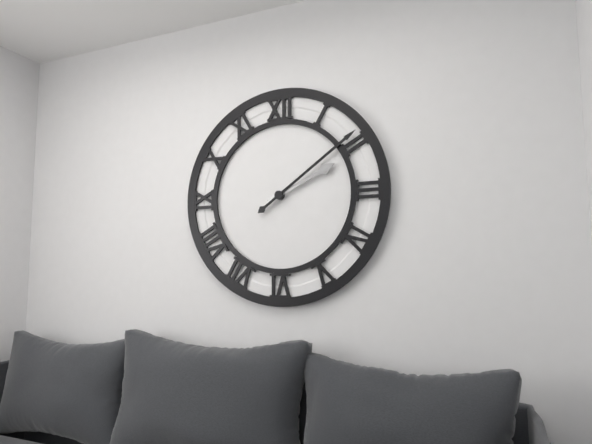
2,09
